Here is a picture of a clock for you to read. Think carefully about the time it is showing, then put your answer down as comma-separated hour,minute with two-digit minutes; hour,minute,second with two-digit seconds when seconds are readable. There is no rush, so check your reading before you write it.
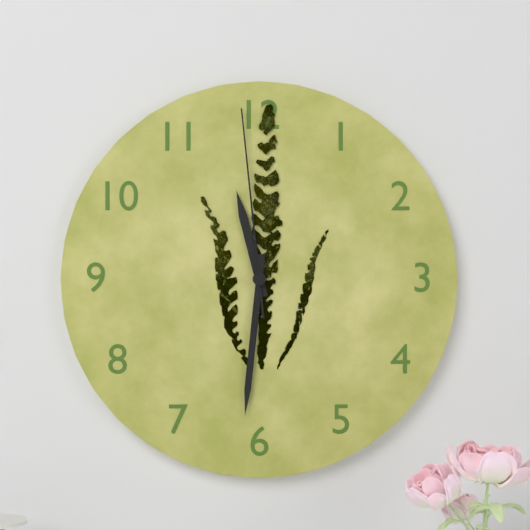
11,31,59
